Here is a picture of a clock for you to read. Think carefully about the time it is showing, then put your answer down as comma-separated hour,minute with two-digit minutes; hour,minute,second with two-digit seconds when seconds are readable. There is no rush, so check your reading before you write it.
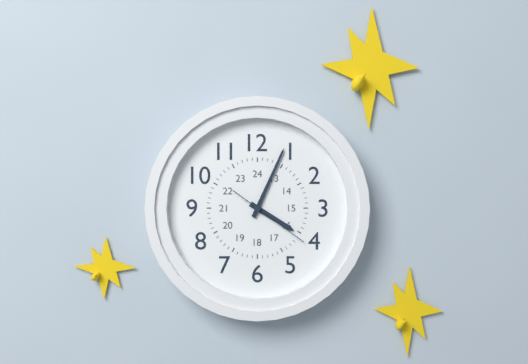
4,04,21
